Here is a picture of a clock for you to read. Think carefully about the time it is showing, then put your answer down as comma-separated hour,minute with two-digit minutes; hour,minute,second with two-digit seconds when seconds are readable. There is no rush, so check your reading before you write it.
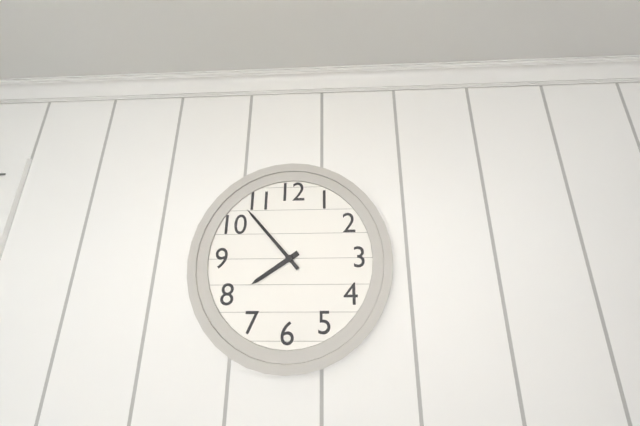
7,53
